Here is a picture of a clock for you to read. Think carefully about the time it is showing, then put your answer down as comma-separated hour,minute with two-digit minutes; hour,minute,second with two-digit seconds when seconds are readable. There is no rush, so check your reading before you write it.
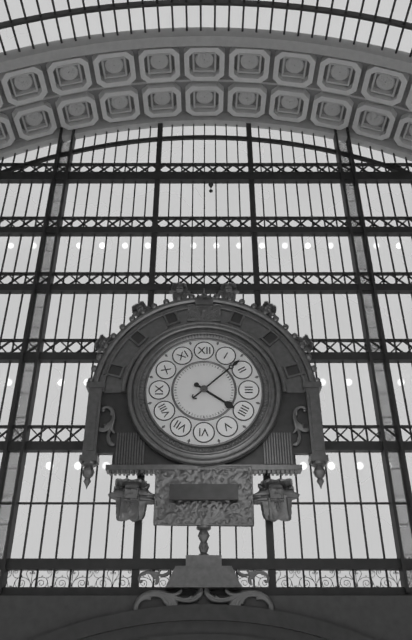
4,08
